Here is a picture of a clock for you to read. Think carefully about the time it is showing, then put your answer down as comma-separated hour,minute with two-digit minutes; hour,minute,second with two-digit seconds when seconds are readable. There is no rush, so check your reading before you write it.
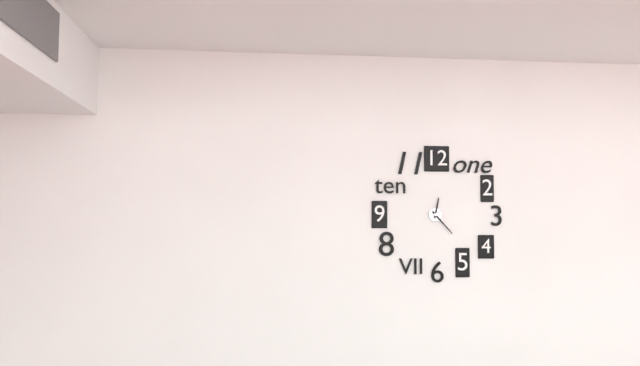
12,23
